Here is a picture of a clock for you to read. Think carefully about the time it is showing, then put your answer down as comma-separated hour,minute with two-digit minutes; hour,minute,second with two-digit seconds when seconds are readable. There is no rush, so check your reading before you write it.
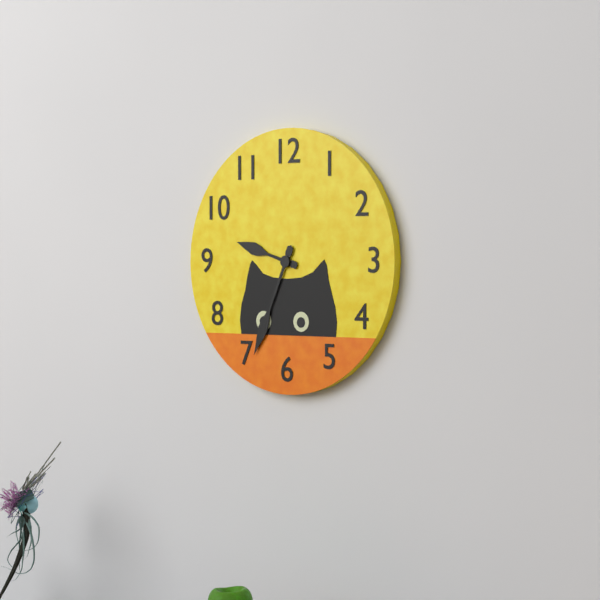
9,34
